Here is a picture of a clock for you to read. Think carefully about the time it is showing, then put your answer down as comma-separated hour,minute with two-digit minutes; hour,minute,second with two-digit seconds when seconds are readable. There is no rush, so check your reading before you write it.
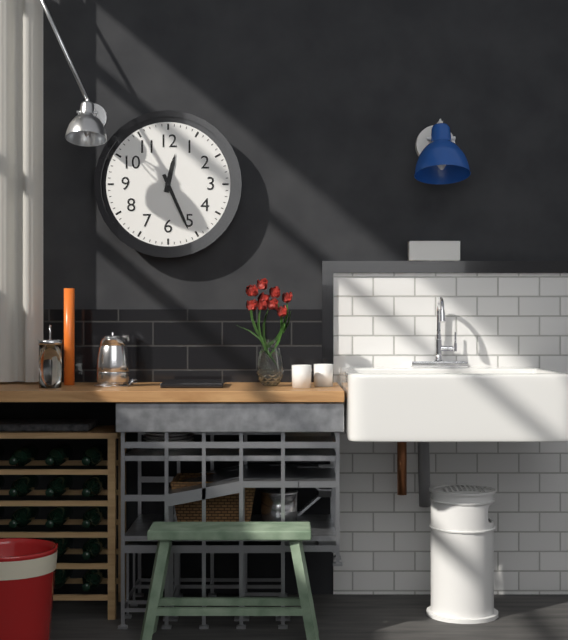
12,26
